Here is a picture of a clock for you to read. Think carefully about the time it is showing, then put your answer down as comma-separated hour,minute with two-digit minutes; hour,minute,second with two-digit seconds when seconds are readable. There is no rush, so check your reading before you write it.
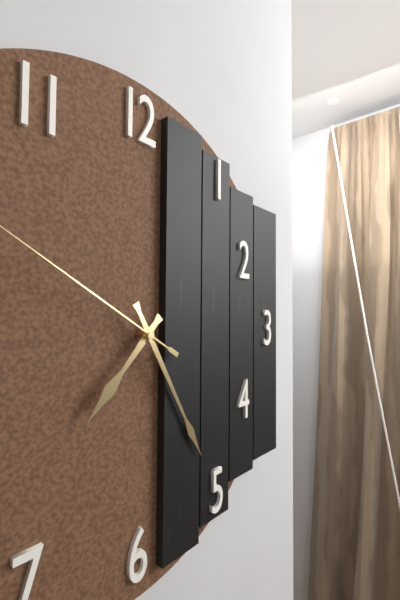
7,25
